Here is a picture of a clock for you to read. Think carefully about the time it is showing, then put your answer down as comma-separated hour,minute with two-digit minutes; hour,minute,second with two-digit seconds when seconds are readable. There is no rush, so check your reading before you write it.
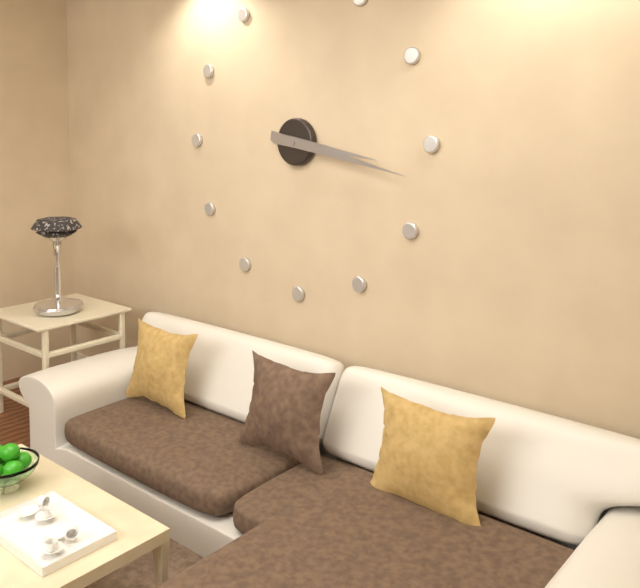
3,17
